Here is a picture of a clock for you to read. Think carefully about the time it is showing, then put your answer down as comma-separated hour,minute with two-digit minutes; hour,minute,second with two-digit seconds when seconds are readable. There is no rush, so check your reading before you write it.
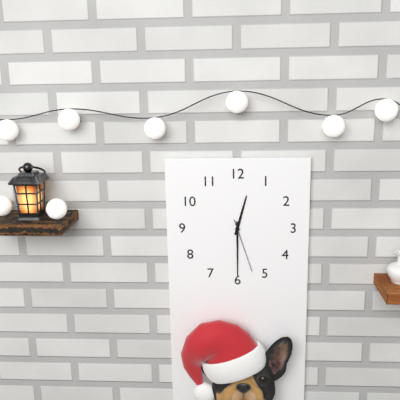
12,30,27
